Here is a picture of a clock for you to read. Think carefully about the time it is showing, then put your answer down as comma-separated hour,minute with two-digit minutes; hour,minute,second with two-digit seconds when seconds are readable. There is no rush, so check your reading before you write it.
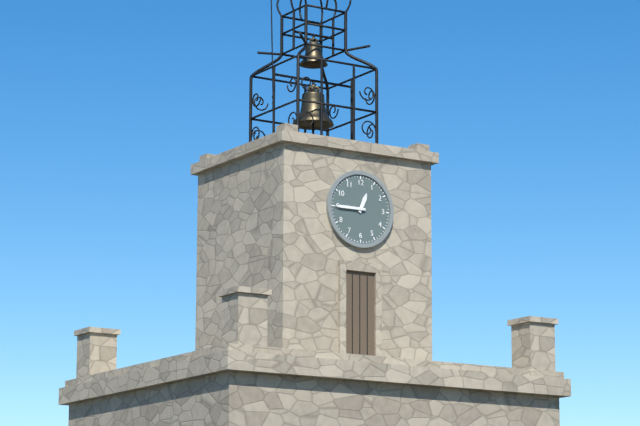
12,45
